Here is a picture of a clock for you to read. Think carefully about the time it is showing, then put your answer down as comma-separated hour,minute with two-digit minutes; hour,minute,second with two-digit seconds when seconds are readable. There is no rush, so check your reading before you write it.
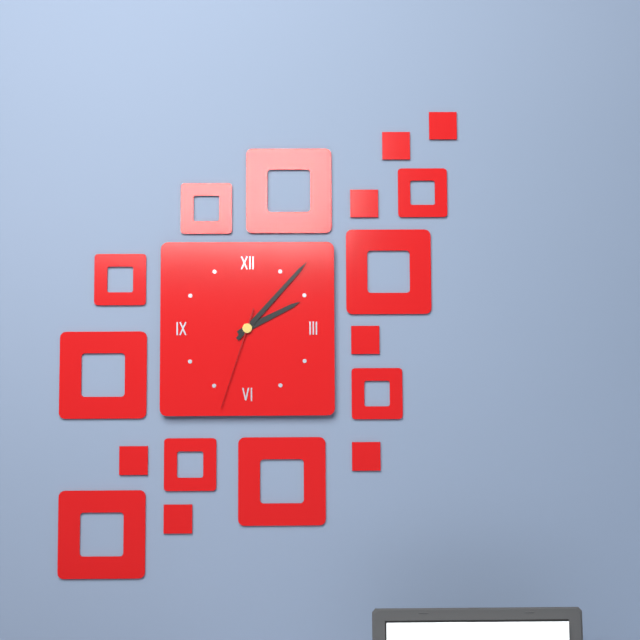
2,07,33
